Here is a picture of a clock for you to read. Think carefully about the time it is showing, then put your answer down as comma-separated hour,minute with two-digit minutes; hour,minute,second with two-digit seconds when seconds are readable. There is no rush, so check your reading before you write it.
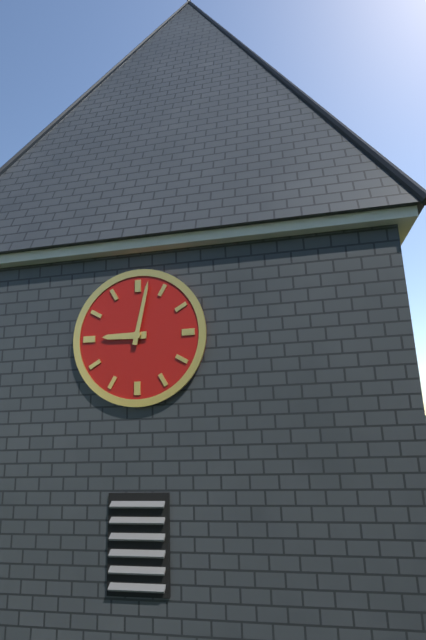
9,02
